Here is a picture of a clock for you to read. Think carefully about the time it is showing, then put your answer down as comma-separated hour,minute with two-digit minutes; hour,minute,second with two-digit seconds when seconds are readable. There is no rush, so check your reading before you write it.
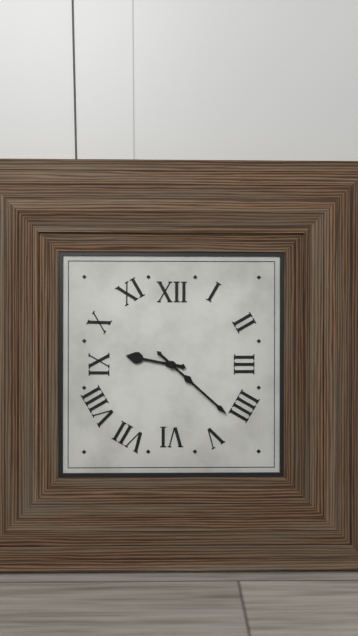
9,22
